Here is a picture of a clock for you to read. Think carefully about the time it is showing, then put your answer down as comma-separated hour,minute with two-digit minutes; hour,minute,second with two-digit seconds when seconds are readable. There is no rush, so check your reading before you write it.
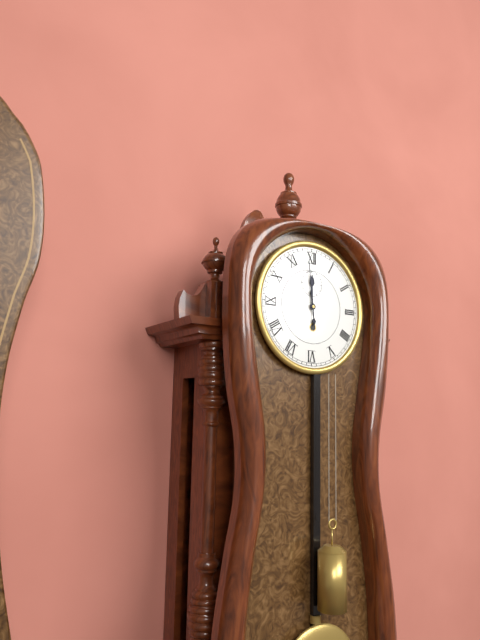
11,59
